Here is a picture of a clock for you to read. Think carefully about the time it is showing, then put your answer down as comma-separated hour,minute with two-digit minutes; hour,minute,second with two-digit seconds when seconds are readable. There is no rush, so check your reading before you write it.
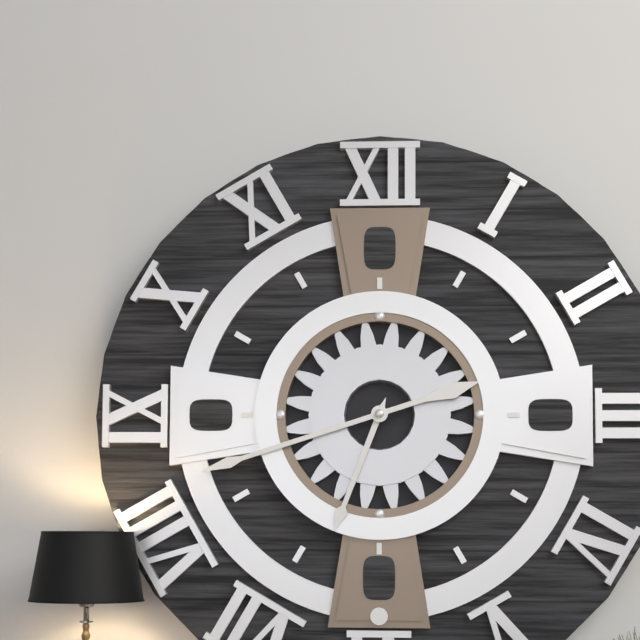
6,42
